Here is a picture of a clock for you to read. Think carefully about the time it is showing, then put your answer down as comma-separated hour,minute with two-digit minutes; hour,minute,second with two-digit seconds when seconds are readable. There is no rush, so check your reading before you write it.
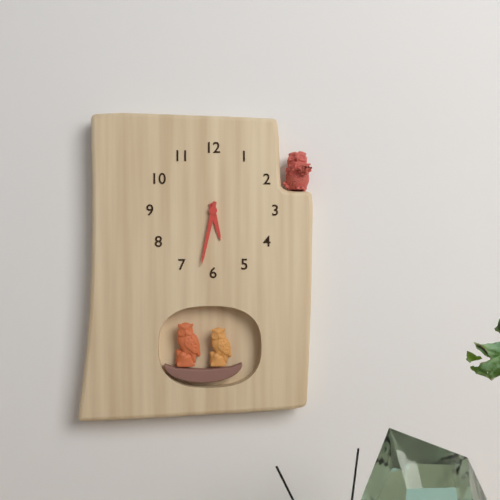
5,32
